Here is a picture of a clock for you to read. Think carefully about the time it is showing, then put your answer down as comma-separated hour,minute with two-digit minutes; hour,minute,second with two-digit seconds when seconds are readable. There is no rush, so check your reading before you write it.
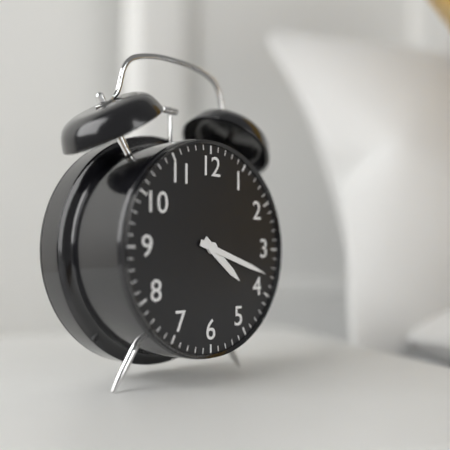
4,18
